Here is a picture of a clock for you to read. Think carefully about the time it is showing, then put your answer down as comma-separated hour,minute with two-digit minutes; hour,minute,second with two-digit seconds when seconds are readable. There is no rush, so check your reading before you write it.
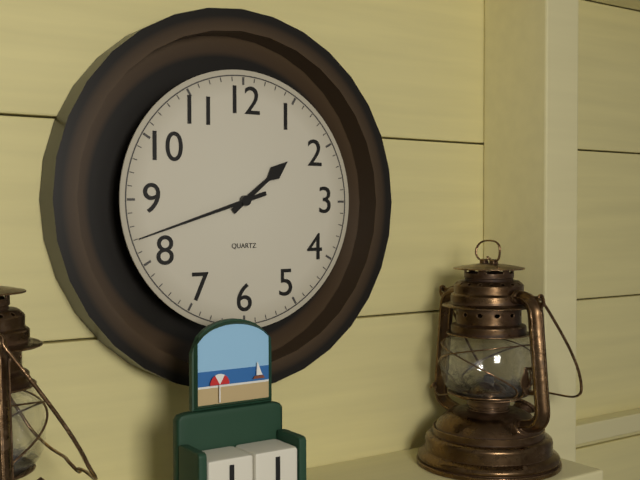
1,42
